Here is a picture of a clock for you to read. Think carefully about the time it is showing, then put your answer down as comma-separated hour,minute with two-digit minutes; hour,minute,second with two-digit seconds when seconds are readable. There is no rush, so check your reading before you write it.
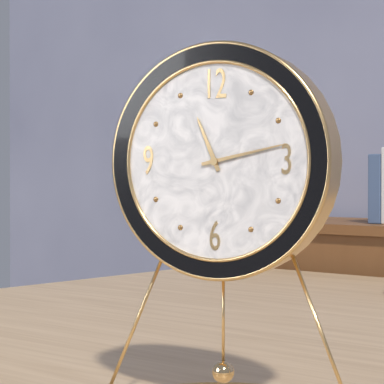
11,13
